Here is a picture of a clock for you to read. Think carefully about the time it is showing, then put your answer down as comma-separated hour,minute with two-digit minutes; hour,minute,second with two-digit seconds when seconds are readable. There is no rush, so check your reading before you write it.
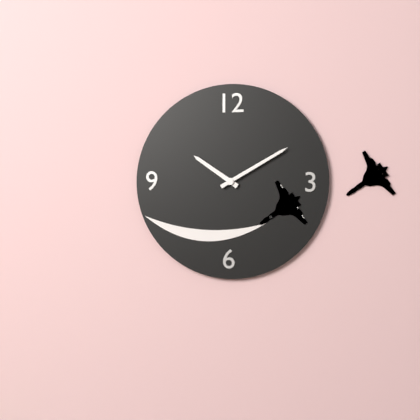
10,10
